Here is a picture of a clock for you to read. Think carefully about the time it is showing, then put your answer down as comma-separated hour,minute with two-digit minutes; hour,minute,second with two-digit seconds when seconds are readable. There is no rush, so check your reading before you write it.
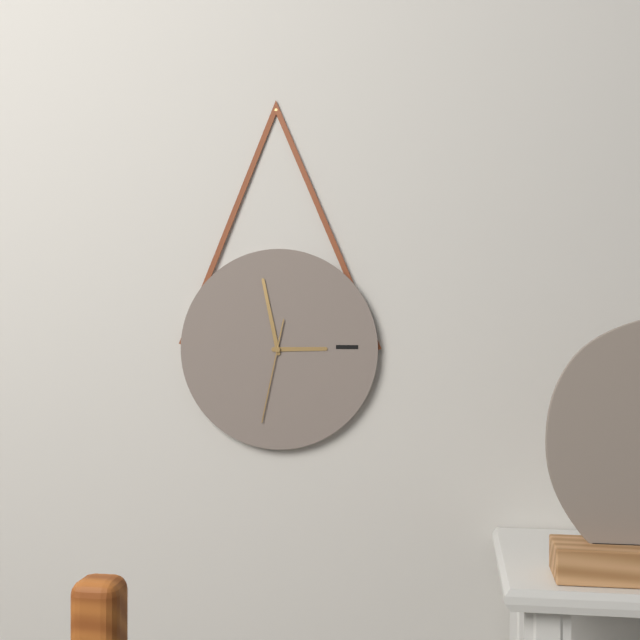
2,58,32
